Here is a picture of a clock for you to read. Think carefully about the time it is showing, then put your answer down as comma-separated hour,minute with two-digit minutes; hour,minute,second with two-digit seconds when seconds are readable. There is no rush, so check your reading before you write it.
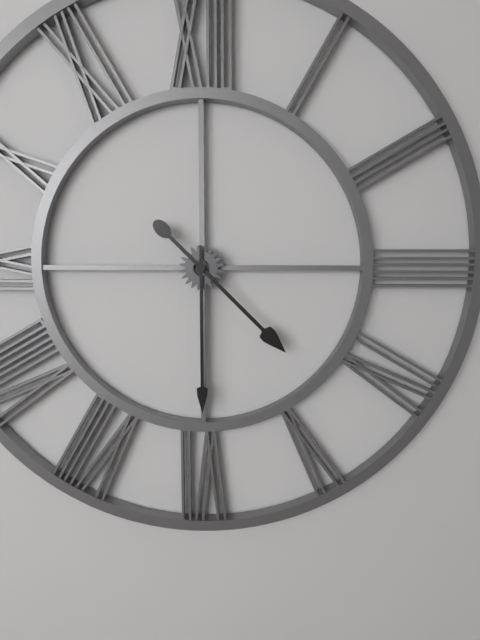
4,30
